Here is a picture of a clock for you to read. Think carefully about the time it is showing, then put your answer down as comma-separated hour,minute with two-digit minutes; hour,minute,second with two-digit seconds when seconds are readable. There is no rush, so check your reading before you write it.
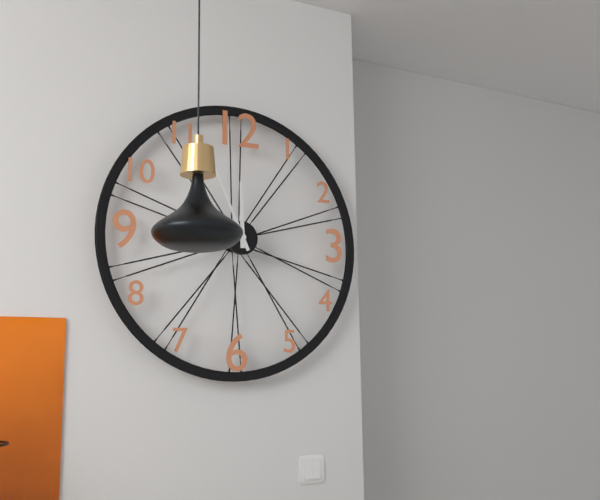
11,56
